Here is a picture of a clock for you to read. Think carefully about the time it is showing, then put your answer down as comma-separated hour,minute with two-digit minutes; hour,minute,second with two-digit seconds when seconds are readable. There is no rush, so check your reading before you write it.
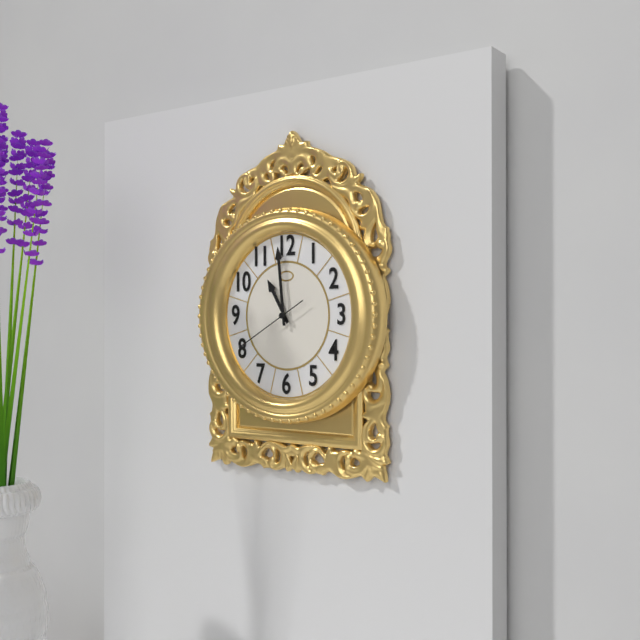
10,59,40
